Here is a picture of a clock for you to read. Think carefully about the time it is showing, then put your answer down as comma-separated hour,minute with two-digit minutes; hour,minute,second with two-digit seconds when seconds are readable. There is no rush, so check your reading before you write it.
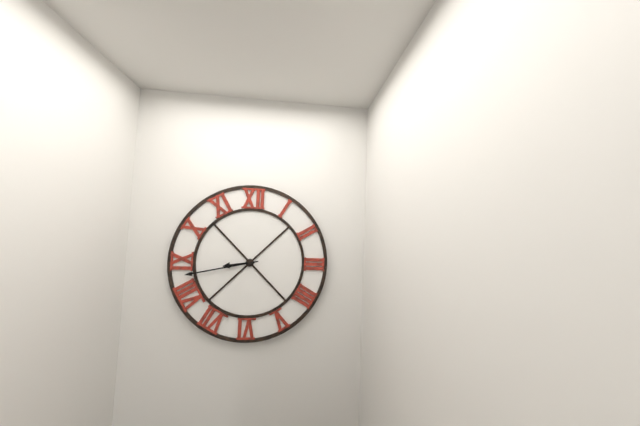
8,43
